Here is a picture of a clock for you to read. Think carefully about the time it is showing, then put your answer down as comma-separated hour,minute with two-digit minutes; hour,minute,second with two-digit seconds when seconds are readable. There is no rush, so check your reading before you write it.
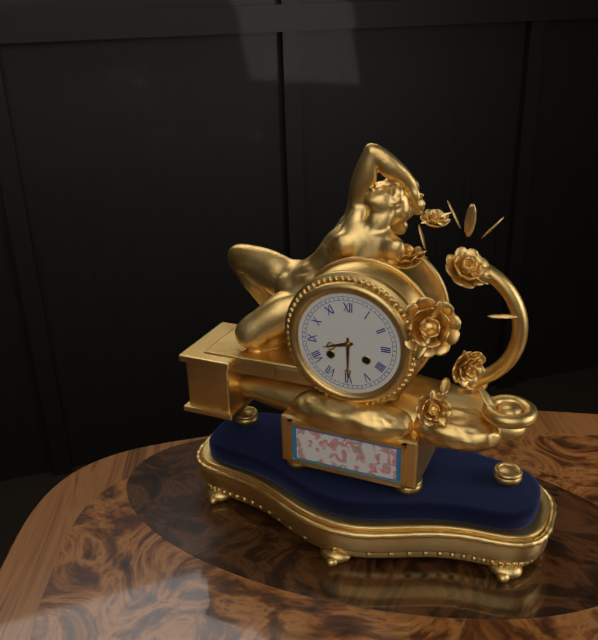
8,30
